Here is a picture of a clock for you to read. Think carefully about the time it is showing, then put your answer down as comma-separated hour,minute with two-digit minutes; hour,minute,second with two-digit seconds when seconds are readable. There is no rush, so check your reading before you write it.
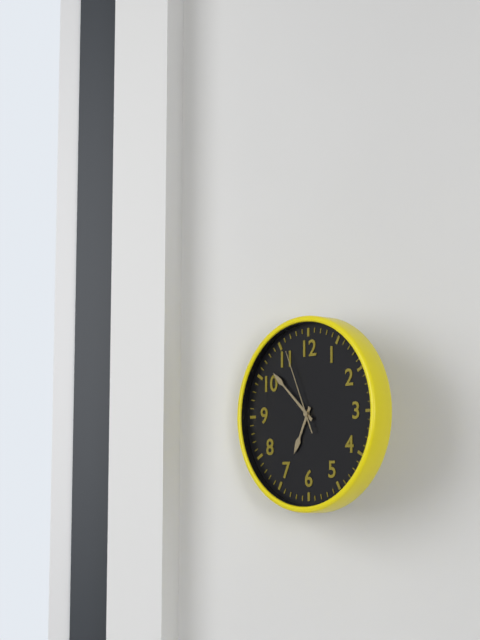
6,52,56
